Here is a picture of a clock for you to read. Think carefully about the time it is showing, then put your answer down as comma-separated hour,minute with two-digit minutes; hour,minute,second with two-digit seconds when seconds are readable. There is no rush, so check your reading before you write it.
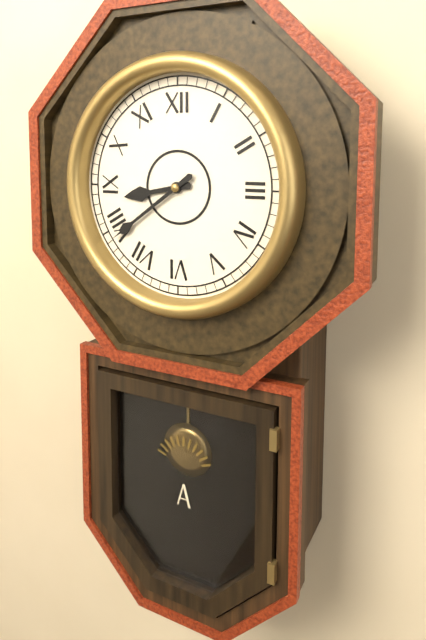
8,39
